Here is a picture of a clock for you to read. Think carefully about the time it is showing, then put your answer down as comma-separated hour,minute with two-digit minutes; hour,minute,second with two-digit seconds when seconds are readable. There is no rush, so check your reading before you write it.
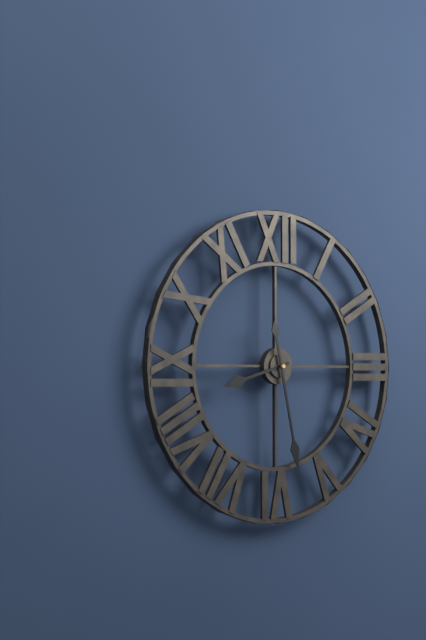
8,28
